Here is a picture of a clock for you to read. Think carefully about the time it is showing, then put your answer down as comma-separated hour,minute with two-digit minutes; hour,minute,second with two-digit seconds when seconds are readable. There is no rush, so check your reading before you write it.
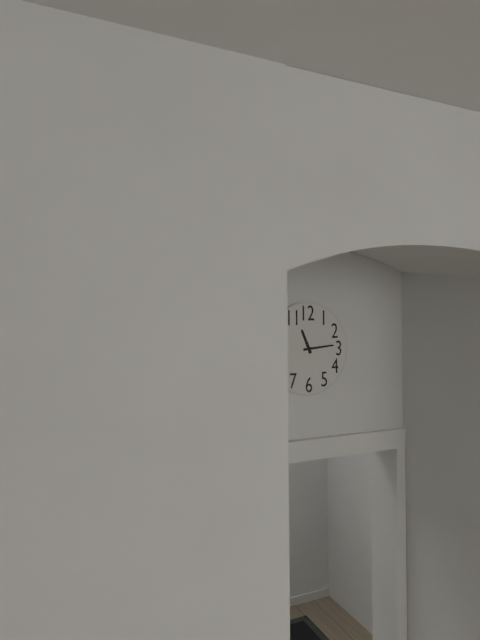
11,14
